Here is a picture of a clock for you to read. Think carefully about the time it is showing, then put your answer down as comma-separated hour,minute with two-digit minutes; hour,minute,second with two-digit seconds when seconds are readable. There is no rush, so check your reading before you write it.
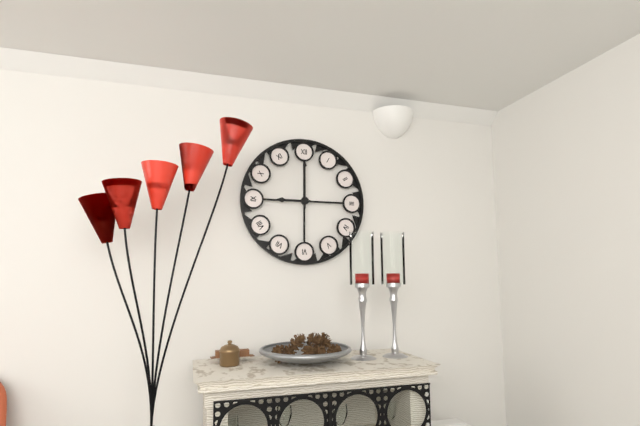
9,00
